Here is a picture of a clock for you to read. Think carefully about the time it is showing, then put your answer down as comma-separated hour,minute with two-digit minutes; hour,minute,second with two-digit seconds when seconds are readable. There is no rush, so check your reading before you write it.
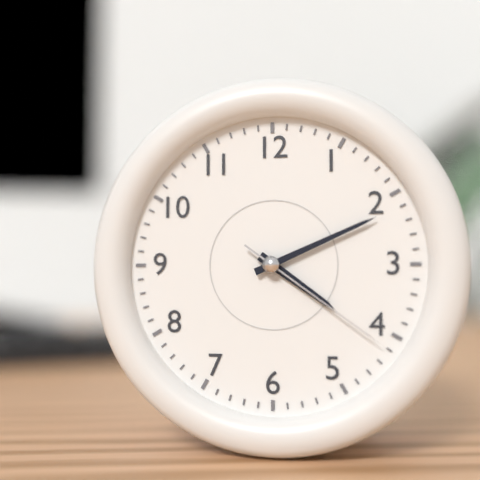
4,11,21
